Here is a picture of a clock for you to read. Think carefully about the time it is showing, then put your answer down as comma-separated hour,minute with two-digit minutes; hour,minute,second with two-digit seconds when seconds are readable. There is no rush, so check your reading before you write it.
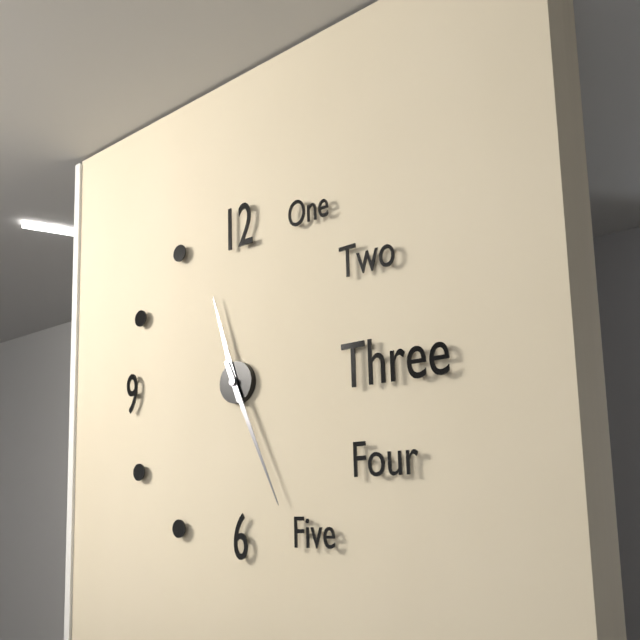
11,26
